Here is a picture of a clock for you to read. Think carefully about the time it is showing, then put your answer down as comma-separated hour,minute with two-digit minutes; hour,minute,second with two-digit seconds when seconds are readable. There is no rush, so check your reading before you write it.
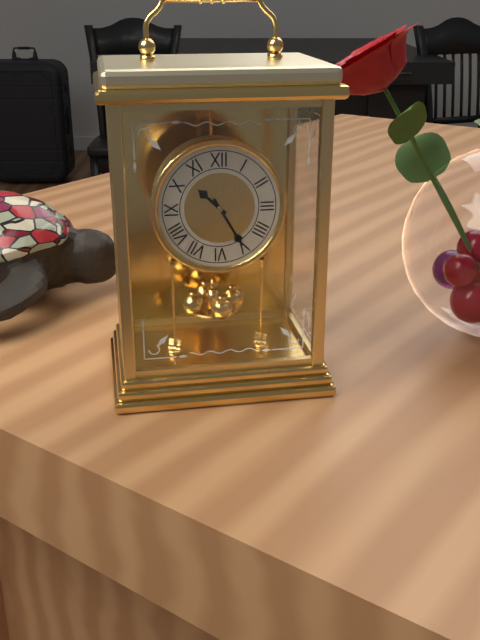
10,25
